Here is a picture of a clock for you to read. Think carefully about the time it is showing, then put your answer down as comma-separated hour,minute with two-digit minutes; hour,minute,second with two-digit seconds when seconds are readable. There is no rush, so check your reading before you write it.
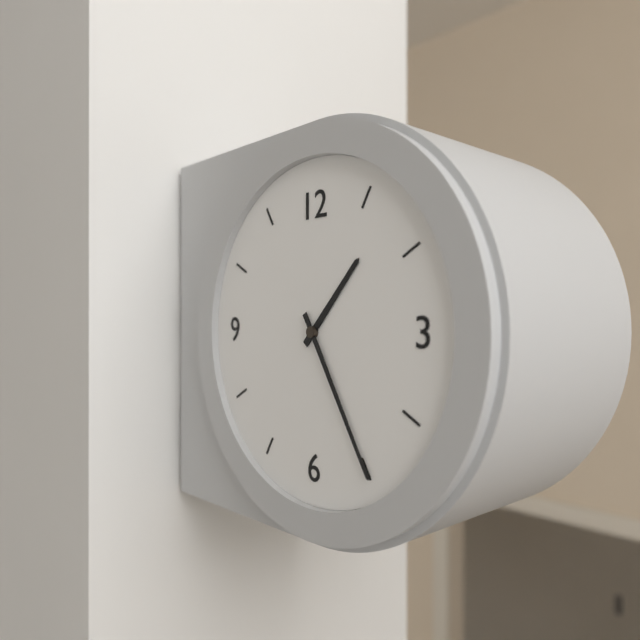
1,25
